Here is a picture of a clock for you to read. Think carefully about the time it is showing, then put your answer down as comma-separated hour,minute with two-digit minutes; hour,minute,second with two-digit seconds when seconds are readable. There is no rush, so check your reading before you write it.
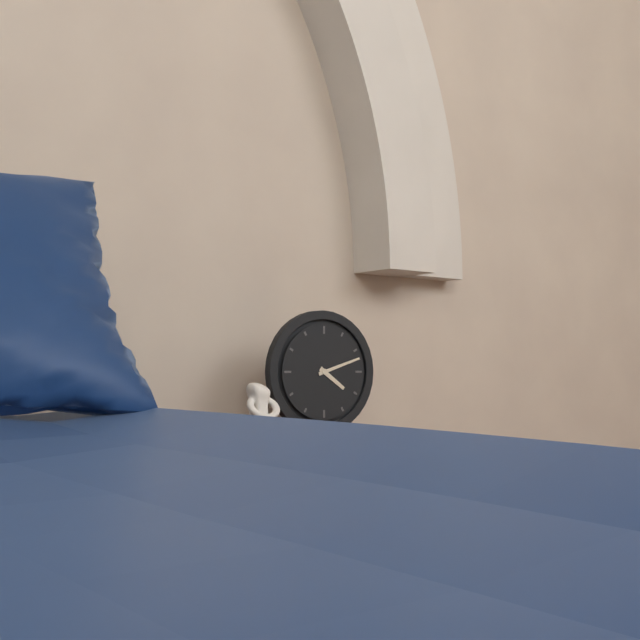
4,12
